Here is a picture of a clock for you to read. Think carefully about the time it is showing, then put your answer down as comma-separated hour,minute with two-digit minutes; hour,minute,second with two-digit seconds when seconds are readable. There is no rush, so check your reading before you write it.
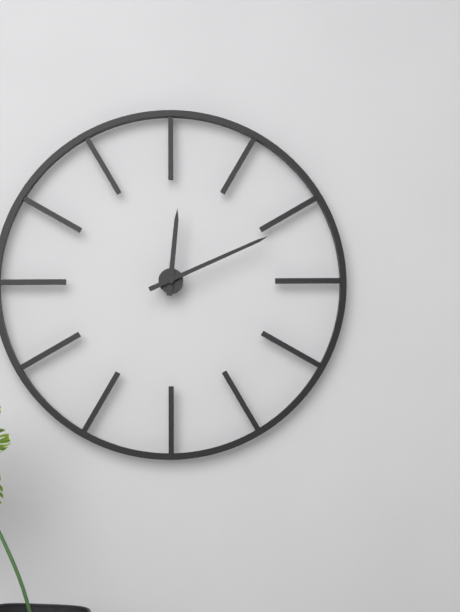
12,11
